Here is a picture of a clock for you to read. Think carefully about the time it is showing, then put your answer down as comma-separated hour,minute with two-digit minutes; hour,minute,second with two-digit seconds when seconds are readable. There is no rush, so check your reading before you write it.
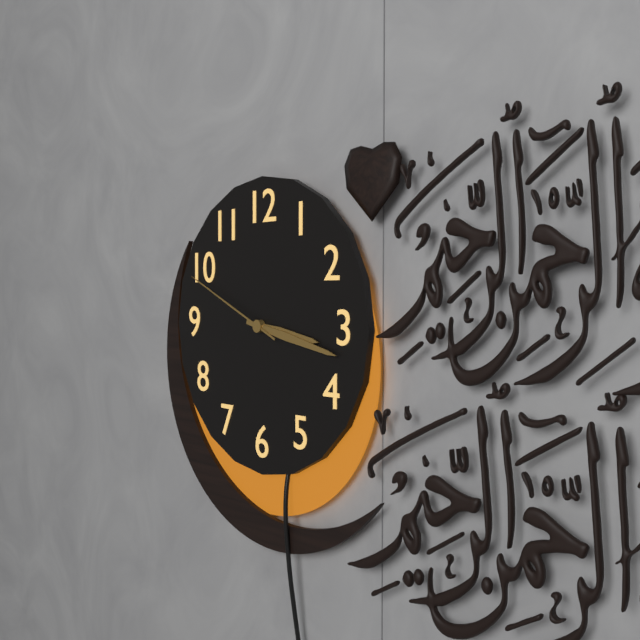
3,17,49
